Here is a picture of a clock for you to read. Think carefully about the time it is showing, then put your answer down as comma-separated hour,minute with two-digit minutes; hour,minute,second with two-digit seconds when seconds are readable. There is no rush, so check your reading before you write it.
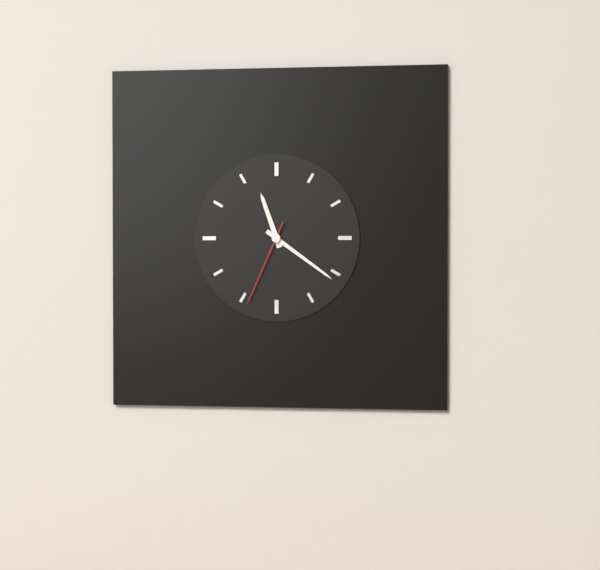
11,21,34
